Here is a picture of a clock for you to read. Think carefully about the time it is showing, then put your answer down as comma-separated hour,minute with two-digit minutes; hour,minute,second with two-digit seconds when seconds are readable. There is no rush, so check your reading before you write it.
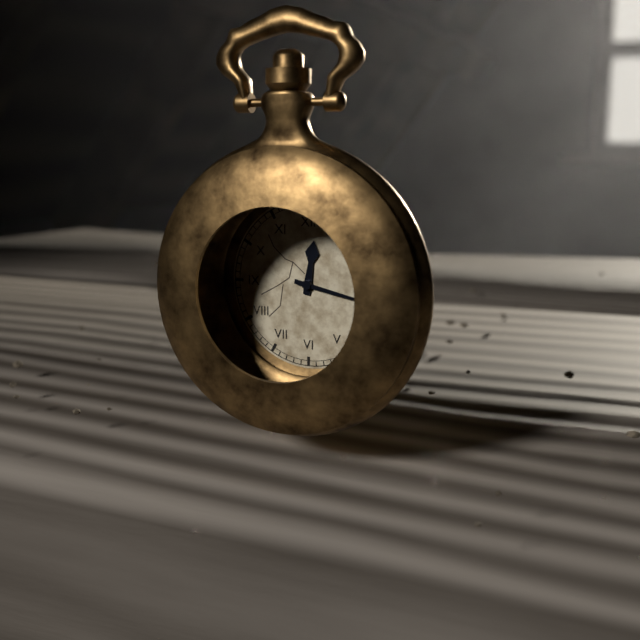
12,17
